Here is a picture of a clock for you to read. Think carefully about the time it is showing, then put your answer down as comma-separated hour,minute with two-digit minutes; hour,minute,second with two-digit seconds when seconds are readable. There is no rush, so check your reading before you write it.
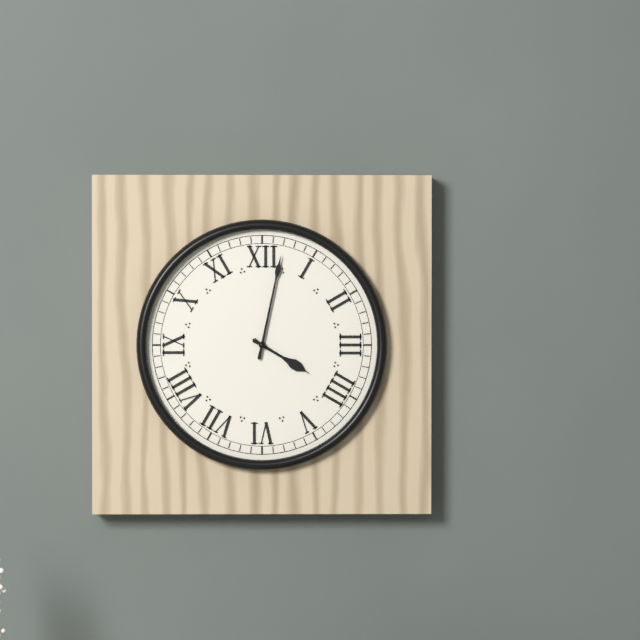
4,02
